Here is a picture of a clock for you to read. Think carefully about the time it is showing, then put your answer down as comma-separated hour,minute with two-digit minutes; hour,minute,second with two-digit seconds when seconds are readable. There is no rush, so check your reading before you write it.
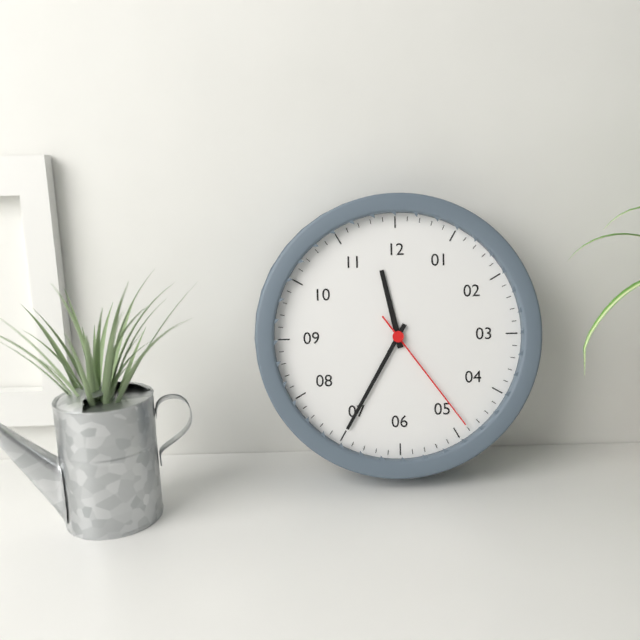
11,35,24
